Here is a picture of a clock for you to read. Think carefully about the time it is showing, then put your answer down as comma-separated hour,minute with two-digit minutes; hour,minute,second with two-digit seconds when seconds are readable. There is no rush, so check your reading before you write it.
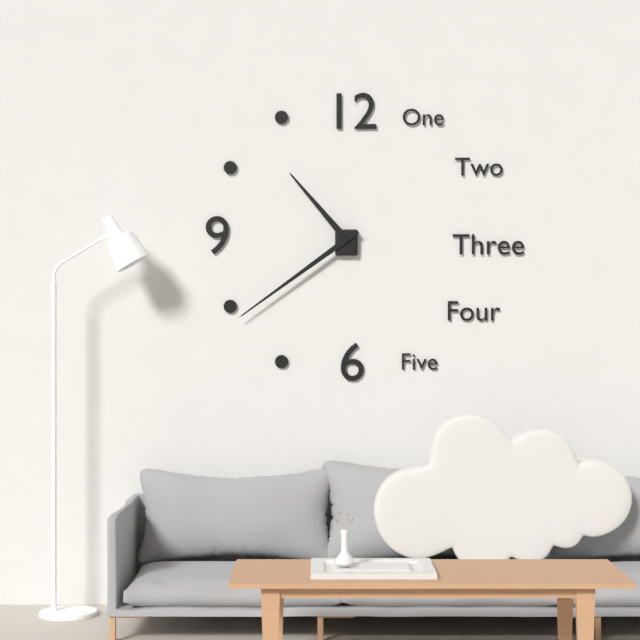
10,39
